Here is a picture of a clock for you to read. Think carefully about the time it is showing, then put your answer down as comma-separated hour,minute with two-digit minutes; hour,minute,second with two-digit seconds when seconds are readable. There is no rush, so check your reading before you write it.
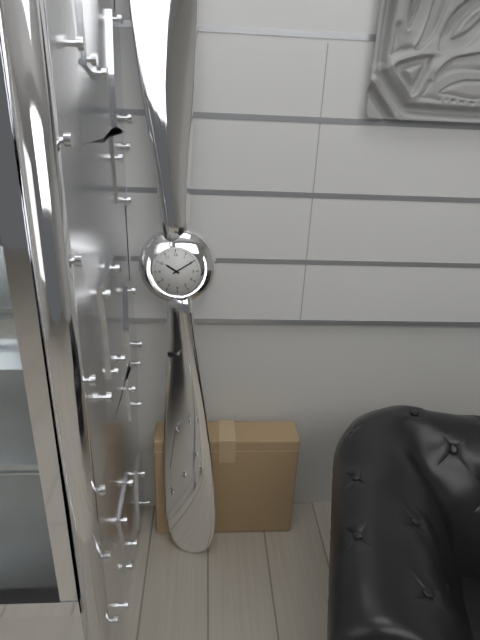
10,10
